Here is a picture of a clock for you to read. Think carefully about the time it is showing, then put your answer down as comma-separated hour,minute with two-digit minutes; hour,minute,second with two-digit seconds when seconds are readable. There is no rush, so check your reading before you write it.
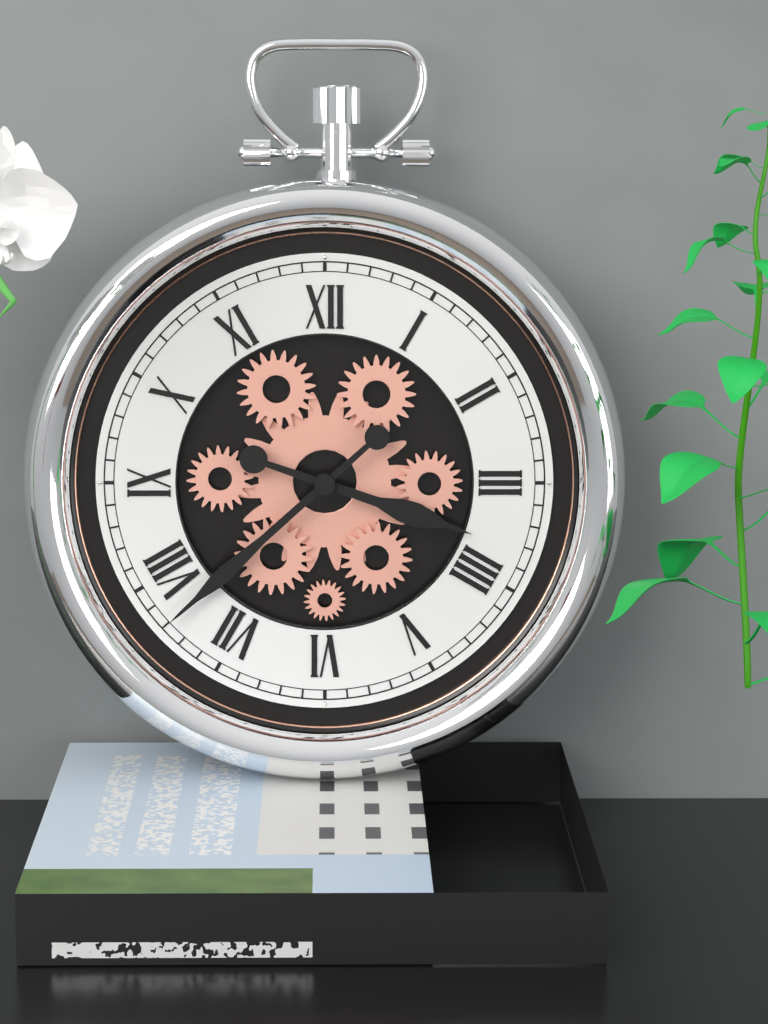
3,38
